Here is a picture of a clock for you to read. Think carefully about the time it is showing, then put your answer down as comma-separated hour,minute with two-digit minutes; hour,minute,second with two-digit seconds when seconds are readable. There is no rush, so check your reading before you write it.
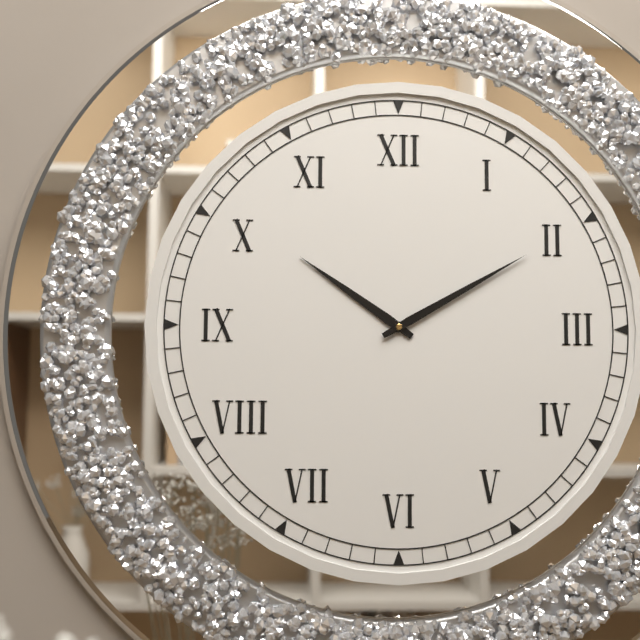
10,10
